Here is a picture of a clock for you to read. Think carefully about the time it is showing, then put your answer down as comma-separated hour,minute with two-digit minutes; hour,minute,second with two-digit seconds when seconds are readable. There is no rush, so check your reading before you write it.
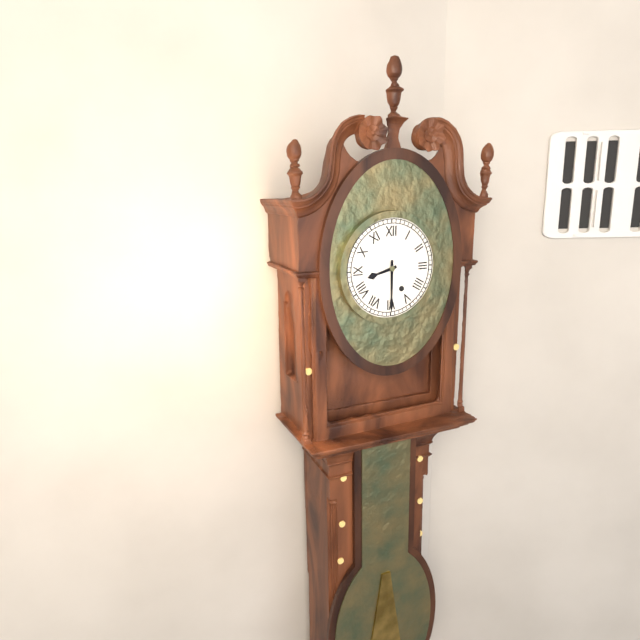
8,30
